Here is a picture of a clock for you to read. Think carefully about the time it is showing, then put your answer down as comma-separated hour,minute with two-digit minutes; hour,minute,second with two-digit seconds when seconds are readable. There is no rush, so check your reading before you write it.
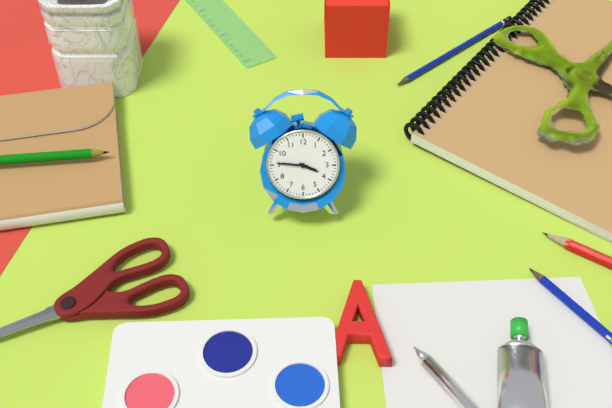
3,46
